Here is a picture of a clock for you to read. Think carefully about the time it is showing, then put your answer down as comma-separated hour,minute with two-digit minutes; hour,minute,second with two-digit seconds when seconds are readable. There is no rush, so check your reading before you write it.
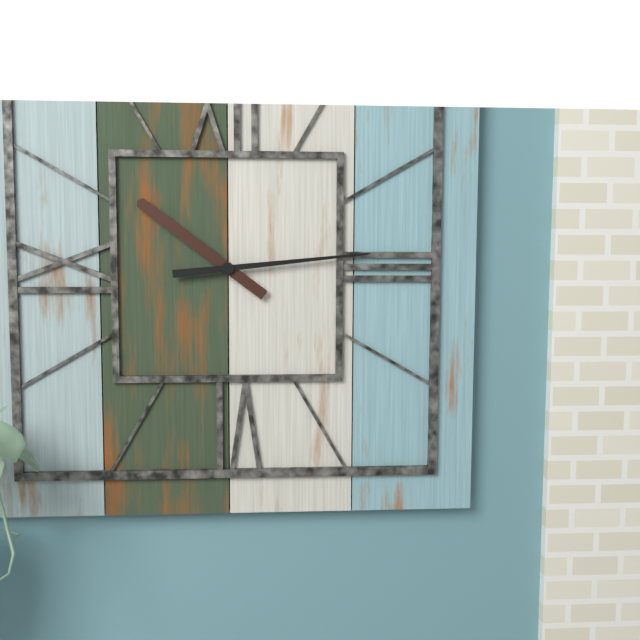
10,14
